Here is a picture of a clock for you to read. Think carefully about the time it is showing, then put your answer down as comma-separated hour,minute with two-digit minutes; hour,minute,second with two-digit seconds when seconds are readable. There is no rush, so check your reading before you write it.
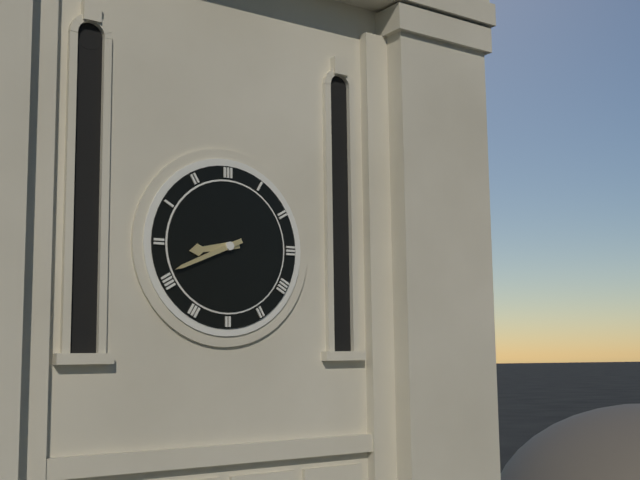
8,41
